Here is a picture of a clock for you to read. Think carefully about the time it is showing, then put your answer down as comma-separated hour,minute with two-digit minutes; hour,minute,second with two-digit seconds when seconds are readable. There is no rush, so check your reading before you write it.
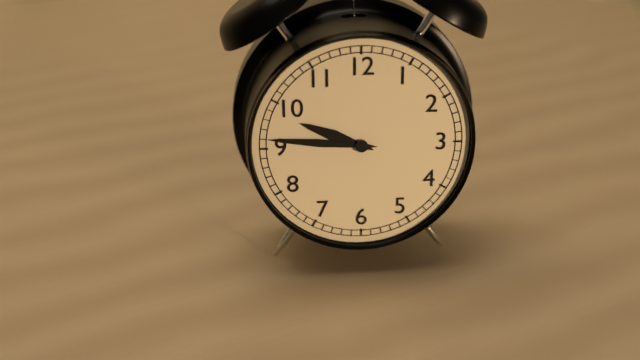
9,46
